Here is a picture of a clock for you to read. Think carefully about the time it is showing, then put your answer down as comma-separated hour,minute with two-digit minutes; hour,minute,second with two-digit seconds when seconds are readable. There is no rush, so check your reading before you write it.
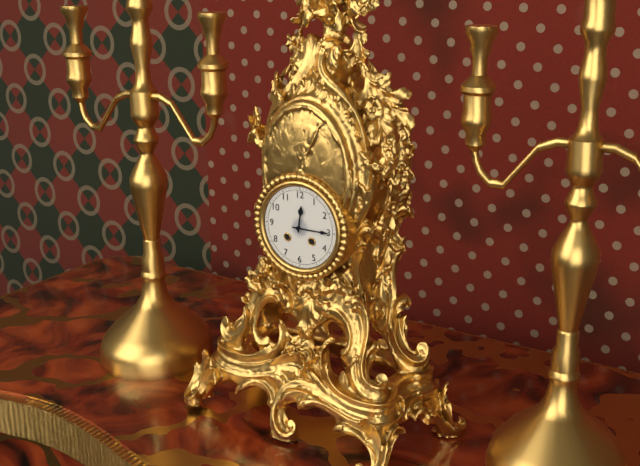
12,15
